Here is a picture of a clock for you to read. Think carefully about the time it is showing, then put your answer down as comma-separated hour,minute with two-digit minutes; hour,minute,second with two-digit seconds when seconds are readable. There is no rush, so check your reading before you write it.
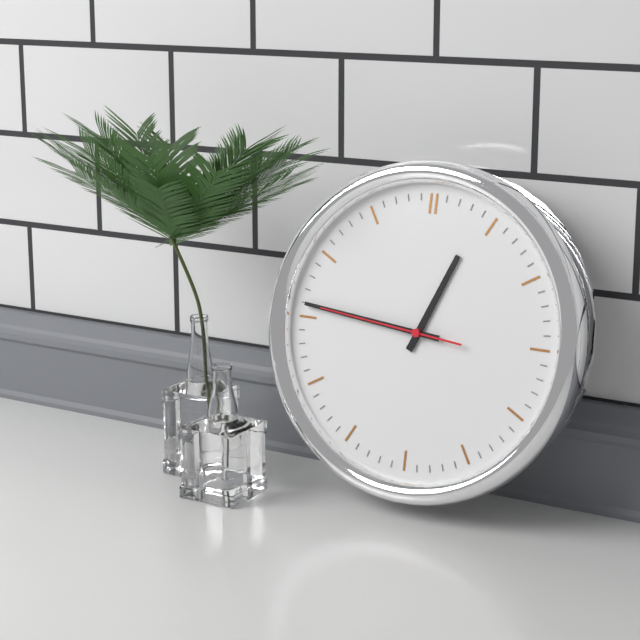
12,46,46
